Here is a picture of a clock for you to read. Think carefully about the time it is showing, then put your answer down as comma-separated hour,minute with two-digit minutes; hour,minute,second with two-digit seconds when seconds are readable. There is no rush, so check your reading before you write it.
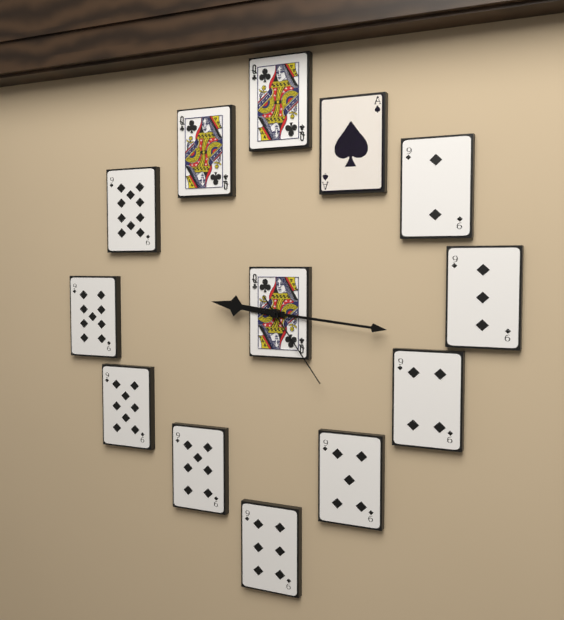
9,16,24
